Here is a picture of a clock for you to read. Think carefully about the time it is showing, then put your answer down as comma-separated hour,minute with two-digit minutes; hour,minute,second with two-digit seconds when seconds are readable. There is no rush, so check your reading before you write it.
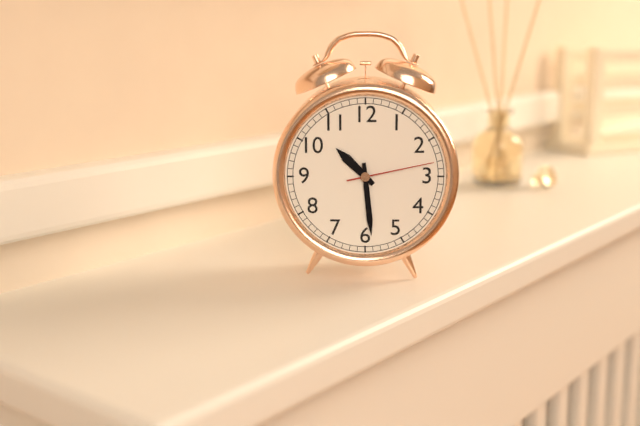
10,29,13
